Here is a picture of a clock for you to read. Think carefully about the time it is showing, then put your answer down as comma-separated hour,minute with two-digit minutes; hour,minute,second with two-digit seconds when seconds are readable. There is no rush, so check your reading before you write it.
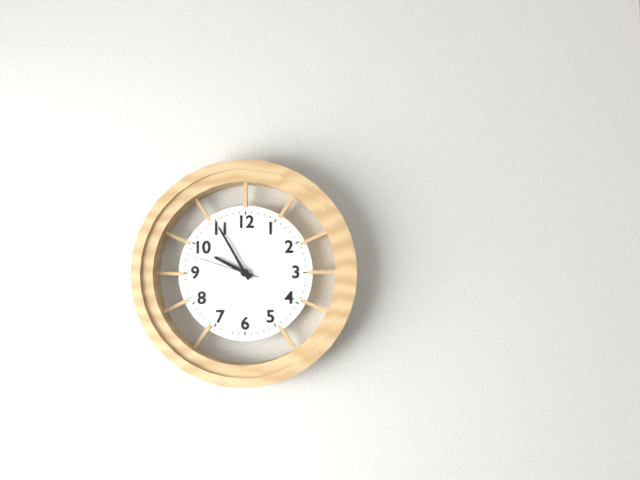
9,55,48
